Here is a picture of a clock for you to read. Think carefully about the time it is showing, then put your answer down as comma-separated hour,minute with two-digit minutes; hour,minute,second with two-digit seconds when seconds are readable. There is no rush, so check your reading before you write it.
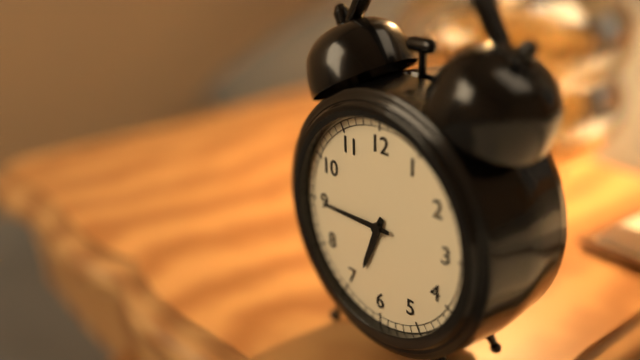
6,45
